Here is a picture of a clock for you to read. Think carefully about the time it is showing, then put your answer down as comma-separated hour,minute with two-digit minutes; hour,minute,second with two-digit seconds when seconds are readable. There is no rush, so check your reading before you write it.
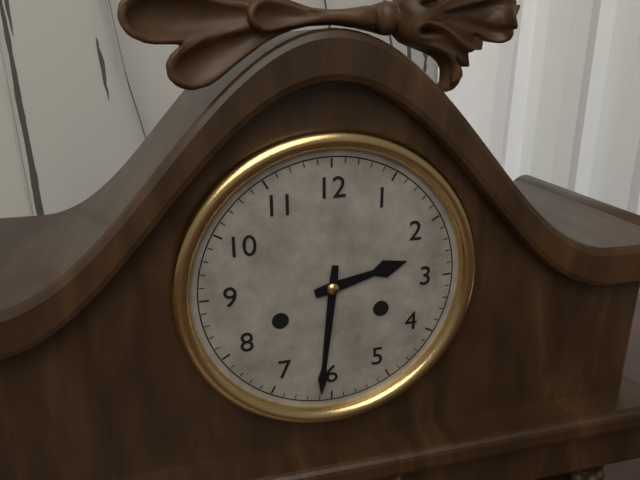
2,31
